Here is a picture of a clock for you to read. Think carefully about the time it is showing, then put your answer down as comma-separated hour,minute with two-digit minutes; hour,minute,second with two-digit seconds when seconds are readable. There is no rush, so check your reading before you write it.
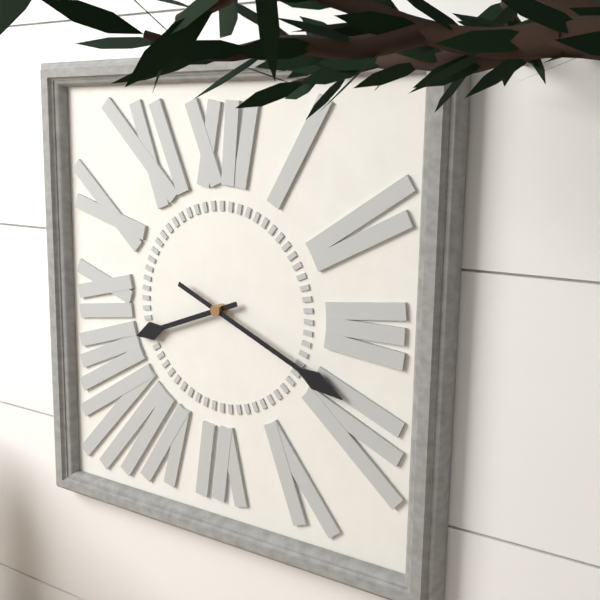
8,19
